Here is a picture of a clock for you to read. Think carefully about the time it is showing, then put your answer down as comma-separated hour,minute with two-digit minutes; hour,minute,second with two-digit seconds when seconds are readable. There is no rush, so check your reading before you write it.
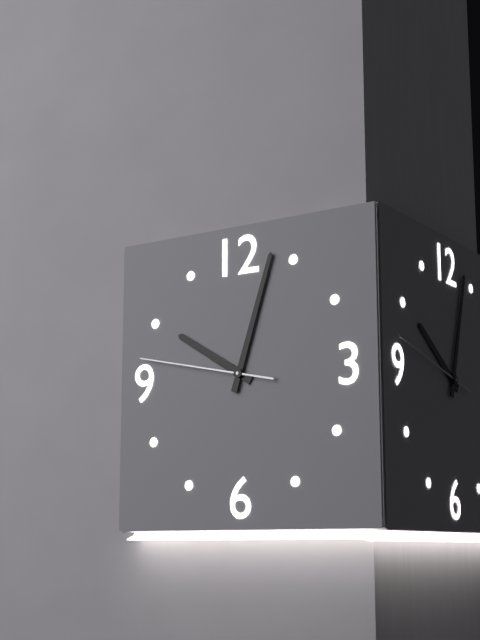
10,03,47
